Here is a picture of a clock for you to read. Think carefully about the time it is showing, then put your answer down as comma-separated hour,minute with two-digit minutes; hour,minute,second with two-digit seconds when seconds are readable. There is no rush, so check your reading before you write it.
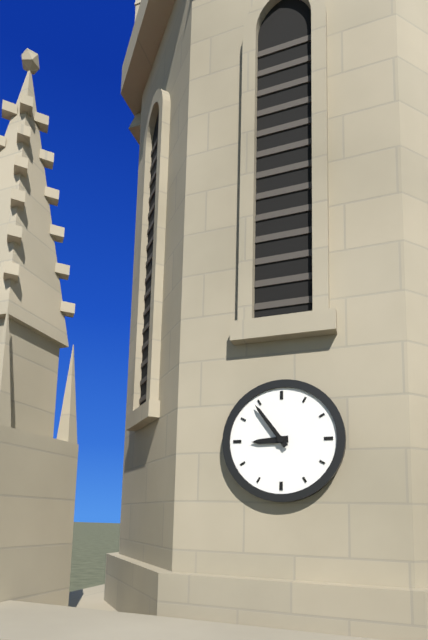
8,54
